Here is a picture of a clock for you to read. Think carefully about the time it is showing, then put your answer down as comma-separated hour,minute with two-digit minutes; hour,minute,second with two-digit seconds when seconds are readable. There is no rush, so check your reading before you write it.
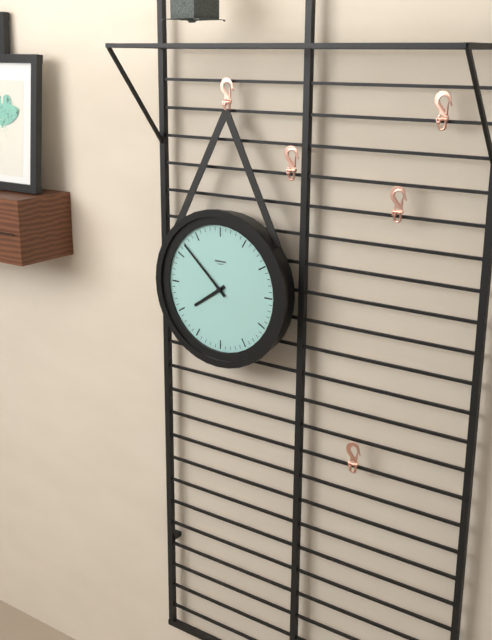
7,52
